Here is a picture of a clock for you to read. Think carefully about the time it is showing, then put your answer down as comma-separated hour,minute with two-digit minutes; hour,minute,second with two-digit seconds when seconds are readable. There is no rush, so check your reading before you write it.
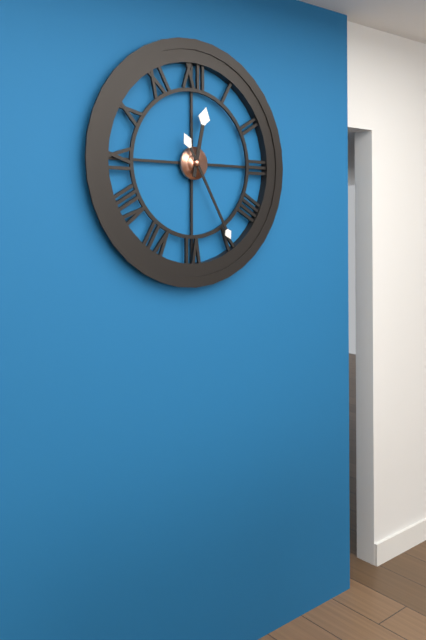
12,25
